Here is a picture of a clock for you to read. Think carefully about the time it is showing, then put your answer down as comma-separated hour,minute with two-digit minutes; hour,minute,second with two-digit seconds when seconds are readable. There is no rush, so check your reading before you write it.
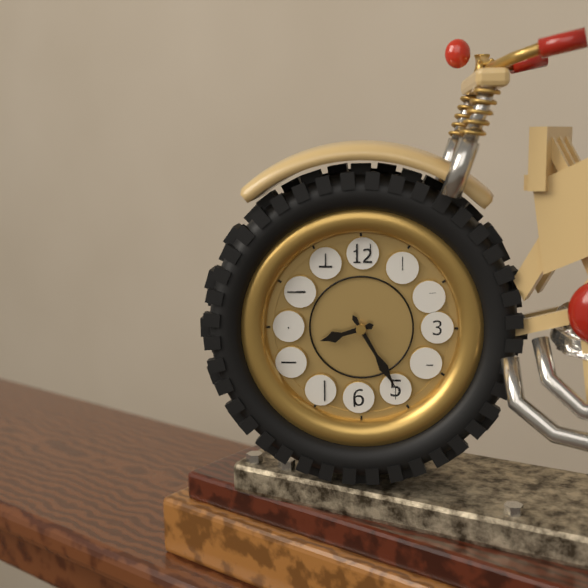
8,25
